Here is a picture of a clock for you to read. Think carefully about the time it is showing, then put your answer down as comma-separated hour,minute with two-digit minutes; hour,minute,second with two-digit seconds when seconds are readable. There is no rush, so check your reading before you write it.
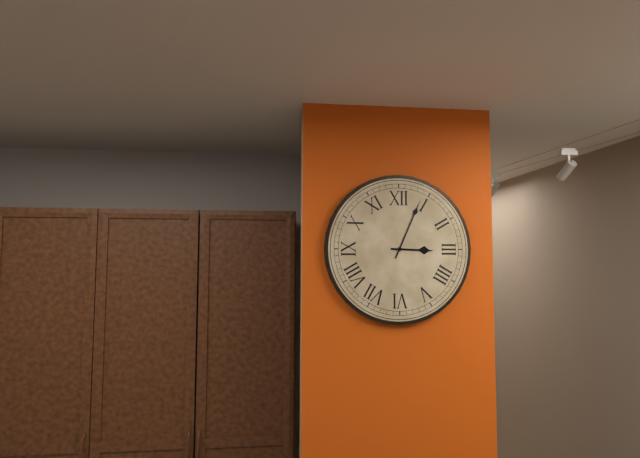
3,04
